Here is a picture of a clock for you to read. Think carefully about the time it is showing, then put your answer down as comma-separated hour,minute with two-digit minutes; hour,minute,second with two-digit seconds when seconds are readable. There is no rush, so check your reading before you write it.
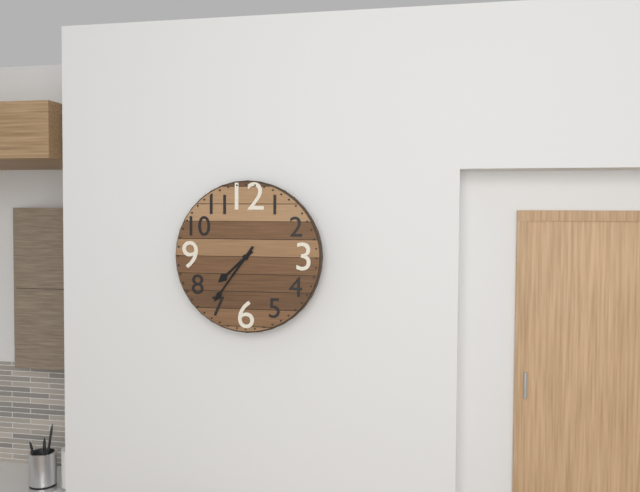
7,36
